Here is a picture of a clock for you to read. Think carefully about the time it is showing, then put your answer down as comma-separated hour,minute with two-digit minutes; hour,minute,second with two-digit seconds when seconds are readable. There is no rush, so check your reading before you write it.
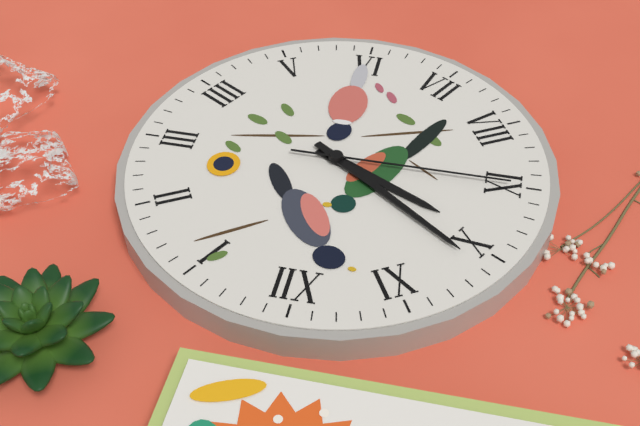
9,51,45
